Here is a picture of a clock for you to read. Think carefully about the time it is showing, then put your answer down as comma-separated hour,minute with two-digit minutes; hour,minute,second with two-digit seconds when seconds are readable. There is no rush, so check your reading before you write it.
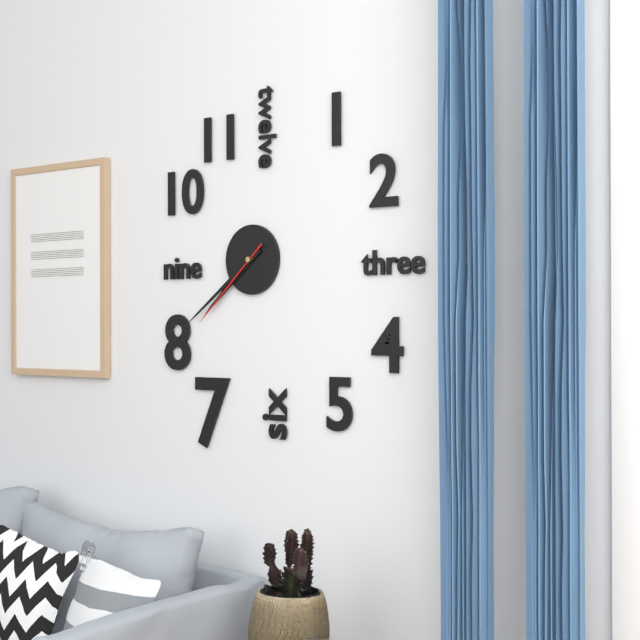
7,39,38
